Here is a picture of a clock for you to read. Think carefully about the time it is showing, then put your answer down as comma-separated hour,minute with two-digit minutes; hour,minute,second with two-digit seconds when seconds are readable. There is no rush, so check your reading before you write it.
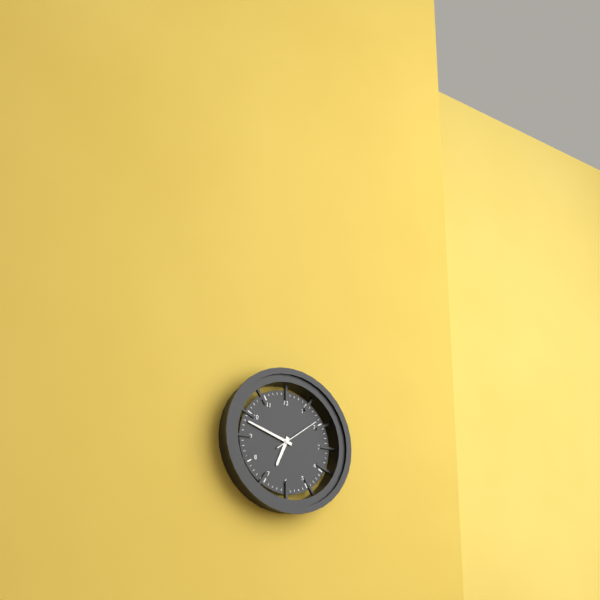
6,48
